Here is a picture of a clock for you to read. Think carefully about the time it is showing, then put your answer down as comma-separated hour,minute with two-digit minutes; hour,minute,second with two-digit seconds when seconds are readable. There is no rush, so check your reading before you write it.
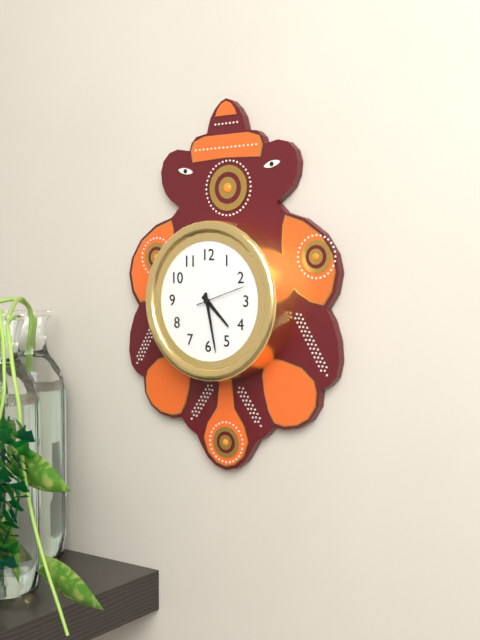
4,28
